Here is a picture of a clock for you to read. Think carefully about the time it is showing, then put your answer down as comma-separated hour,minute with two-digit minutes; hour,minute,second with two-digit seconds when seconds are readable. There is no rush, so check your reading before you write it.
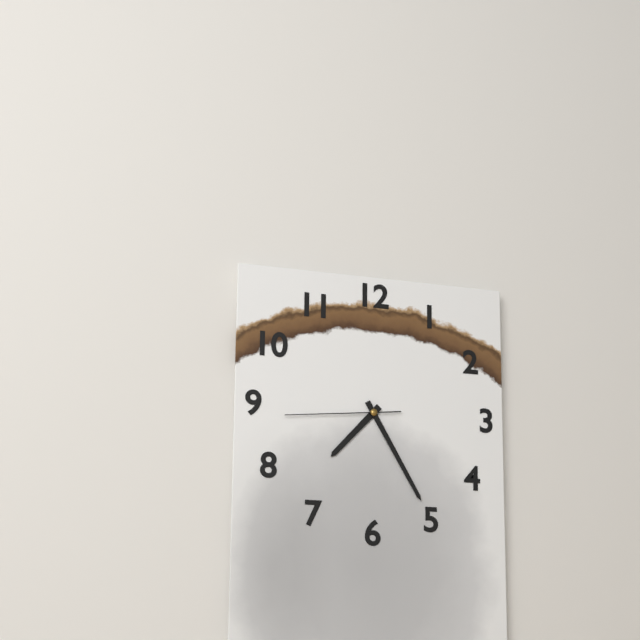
7,25,44
